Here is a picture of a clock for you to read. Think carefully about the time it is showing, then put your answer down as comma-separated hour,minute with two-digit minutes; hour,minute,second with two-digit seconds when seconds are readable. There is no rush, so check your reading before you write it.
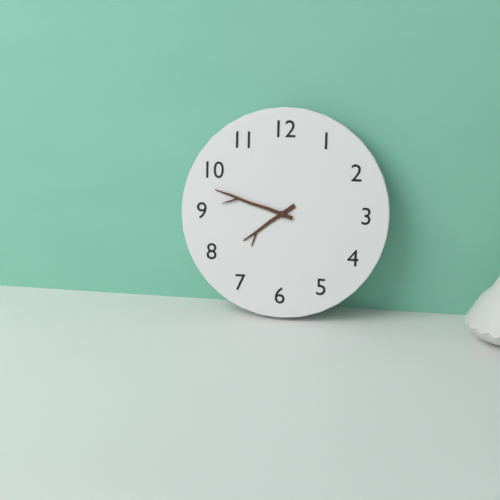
7,48
